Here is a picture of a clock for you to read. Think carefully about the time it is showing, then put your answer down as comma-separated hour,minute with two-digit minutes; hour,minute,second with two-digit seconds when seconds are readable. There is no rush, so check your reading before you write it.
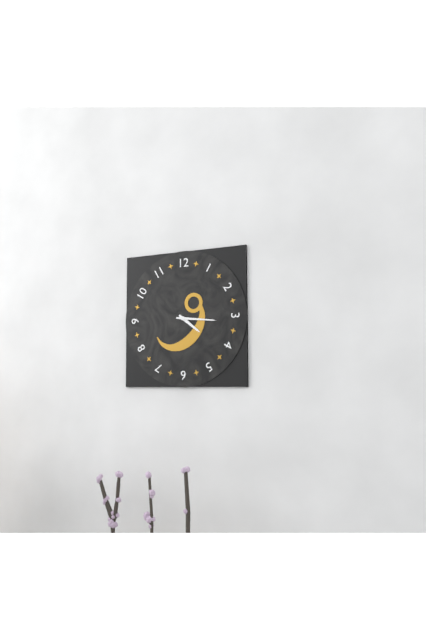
4,16
